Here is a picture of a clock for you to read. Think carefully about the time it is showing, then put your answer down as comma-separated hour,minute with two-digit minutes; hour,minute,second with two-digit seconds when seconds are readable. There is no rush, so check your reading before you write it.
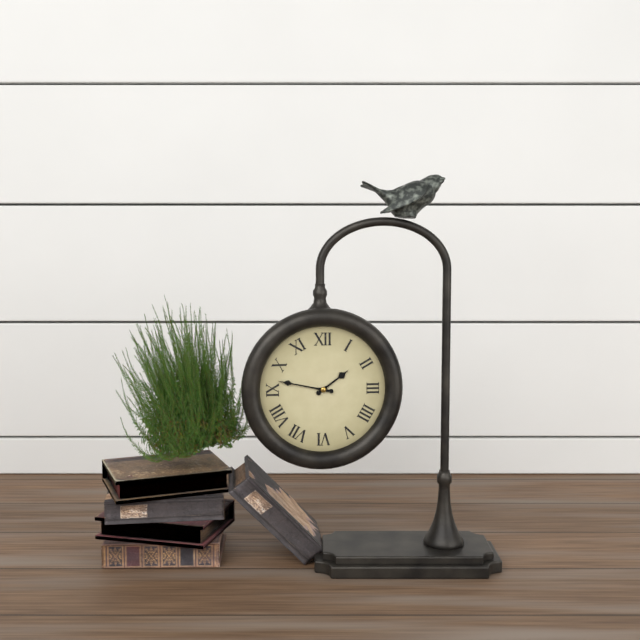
1,47
